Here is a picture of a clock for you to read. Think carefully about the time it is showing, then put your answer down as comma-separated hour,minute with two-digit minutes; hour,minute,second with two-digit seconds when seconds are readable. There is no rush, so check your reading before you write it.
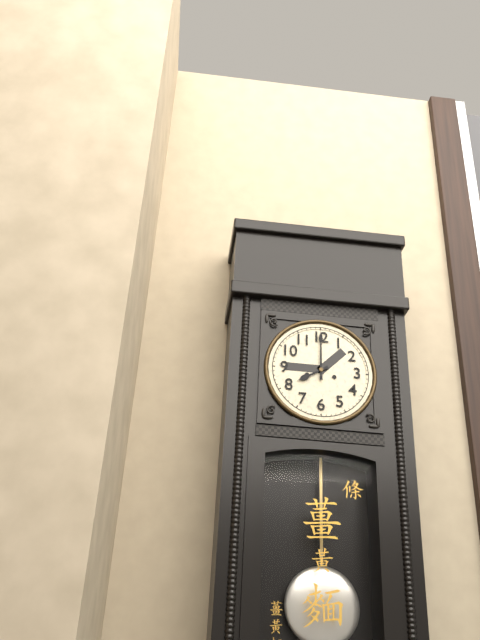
8,00
